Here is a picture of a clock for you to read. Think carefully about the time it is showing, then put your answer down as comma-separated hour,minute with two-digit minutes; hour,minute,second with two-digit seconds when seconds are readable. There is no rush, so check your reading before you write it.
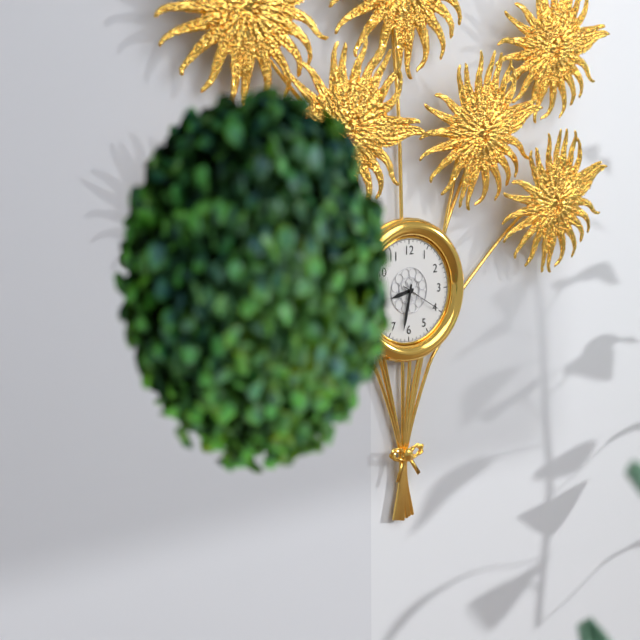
8,32
